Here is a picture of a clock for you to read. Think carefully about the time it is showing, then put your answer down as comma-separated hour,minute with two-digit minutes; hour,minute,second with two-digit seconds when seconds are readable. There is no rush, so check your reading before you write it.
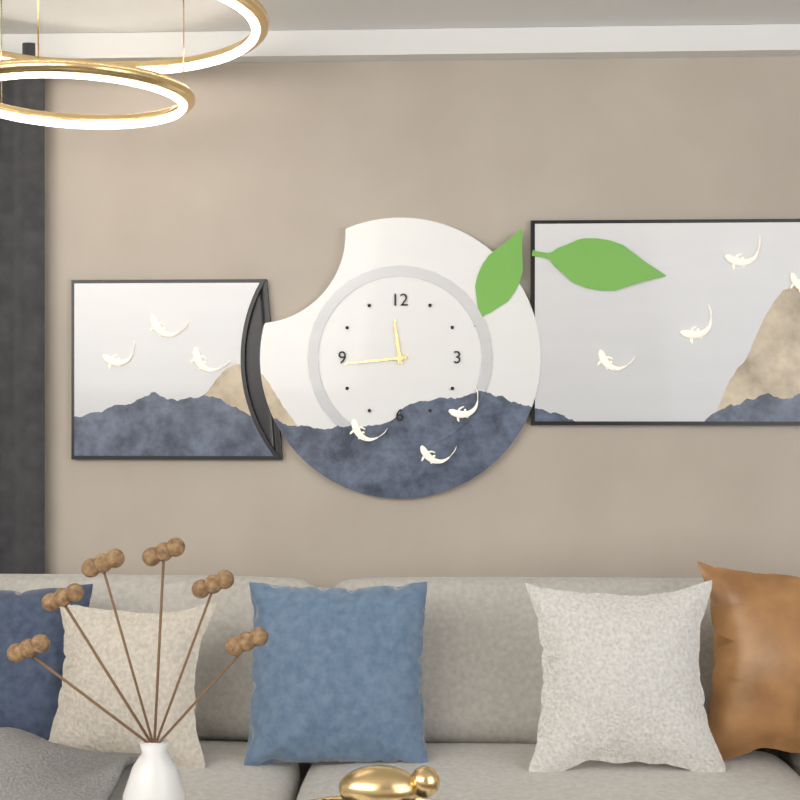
11,44
